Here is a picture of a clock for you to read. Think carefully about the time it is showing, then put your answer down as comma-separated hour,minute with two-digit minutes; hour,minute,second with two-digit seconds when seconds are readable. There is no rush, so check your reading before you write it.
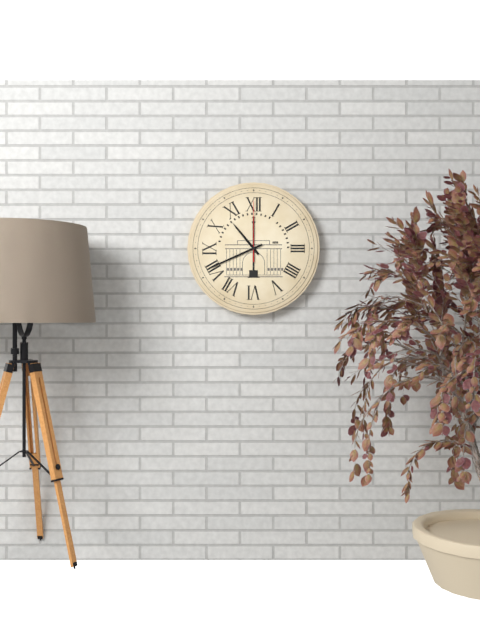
10,41,00
